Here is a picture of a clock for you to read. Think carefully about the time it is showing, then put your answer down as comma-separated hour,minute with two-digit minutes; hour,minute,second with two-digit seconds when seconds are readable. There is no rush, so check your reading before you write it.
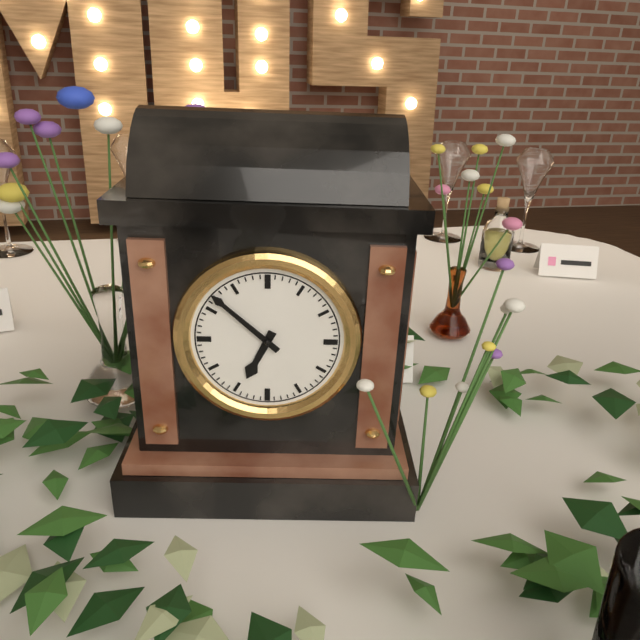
6,52
